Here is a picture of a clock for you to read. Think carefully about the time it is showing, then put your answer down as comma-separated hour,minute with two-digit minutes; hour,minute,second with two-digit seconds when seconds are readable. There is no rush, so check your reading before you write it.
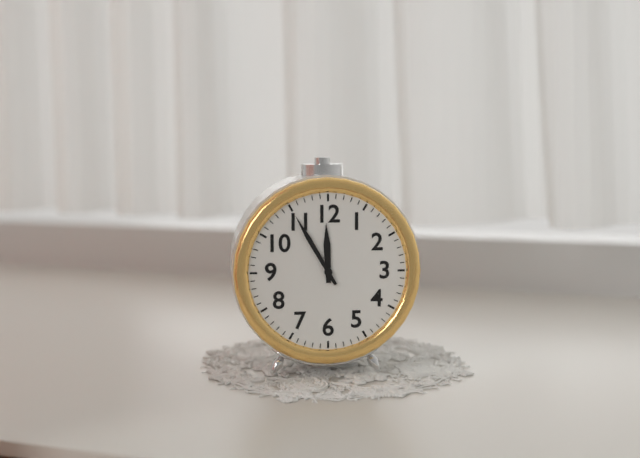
11,55
